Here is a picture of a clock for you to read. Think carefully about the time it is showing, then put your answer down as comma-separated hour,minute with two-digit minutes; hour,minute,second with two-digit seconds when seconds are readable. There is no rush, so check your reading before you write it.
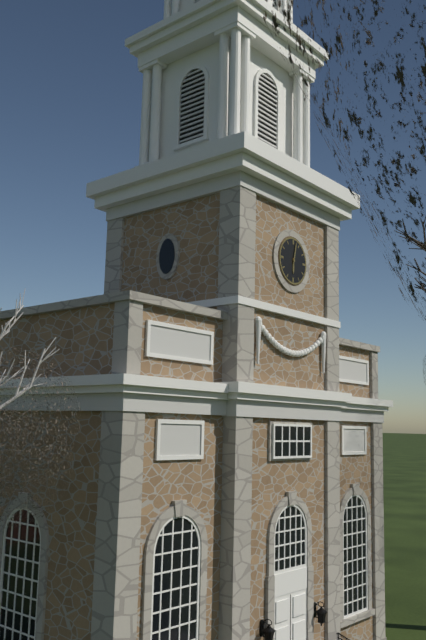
6,02
